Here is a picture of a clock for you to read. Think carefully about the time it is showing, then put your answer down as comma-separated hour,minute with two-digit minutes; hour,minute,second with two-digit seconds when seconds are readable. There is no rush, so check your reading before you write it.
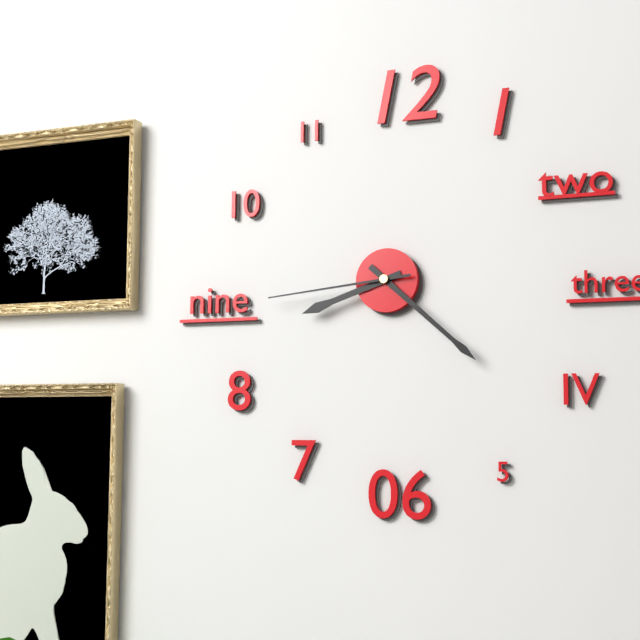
8,22,44
